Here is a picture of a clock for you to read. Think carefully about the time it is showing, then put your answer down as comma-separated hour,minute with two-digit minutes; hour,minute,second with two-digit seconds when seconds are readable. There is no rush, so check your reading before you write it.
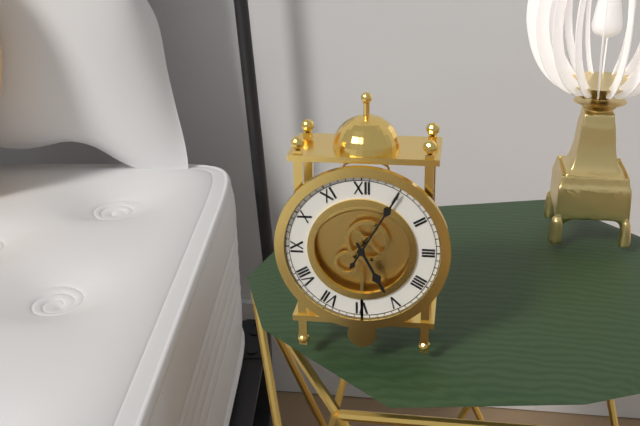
5,05
